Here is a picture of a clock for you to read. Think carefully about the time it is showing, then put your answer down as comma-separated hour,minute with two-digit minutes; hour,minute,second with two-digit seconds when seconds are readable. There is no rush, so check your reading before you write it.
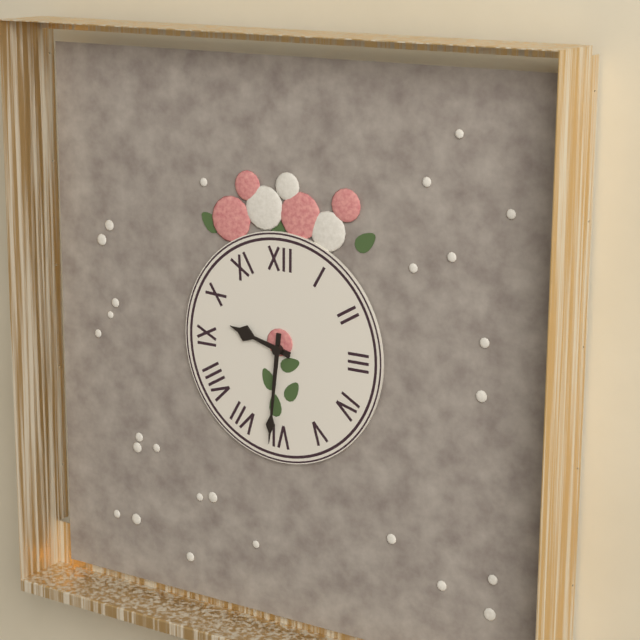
9,31
